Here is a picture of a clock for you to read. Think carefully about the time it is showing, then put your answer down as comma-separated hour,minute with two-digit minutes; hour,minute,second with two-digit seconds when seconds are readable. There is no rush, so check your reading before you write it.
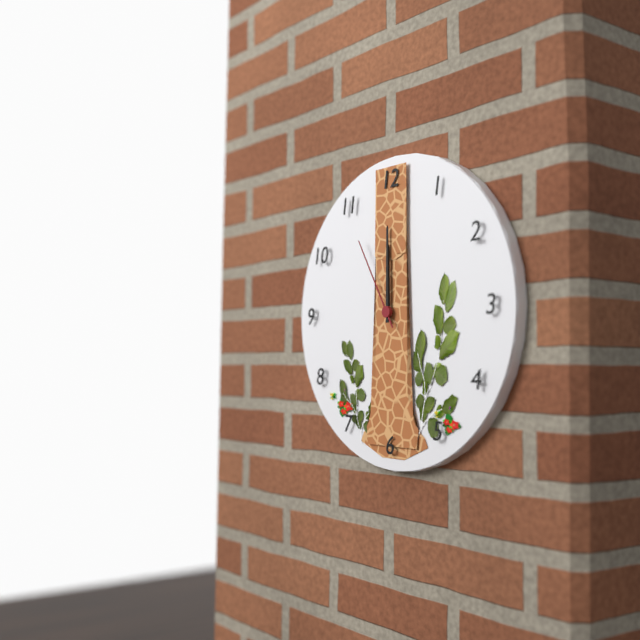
12,00,55
